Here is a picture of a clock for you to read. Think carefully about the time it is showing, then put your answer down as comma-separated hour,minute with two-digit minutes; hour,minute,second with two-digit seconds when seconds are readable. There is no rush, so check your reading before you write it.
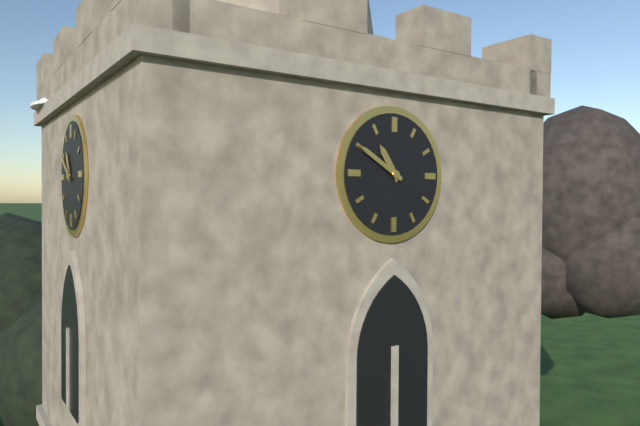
10,50
